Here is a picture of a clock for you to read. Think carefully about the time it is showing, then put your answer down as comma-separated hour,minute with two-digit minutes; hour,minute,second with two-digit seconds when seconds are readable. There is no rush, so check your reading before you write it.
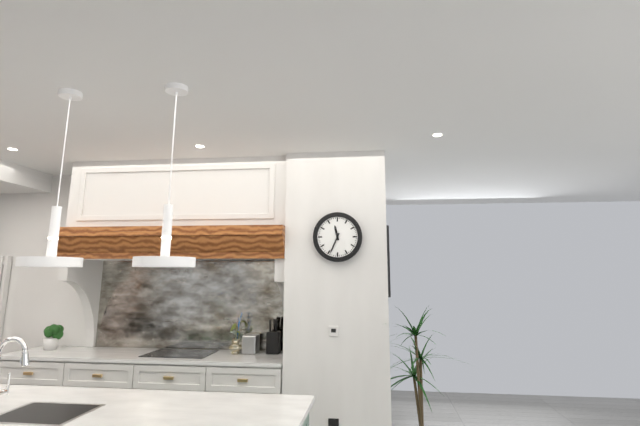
11,34
